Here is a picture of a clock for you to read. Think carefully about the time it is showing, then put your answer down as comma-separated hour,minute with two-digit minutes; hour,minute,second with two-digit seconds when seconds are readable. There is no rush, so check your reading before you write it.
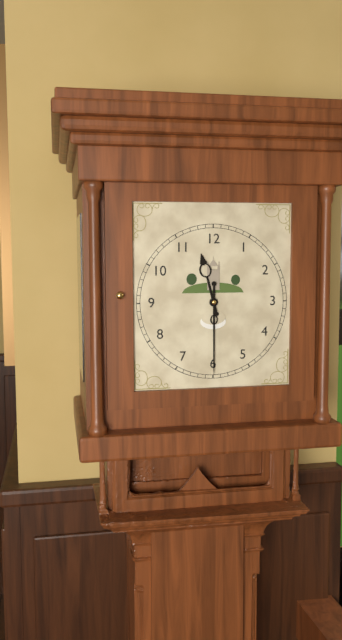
11,30
